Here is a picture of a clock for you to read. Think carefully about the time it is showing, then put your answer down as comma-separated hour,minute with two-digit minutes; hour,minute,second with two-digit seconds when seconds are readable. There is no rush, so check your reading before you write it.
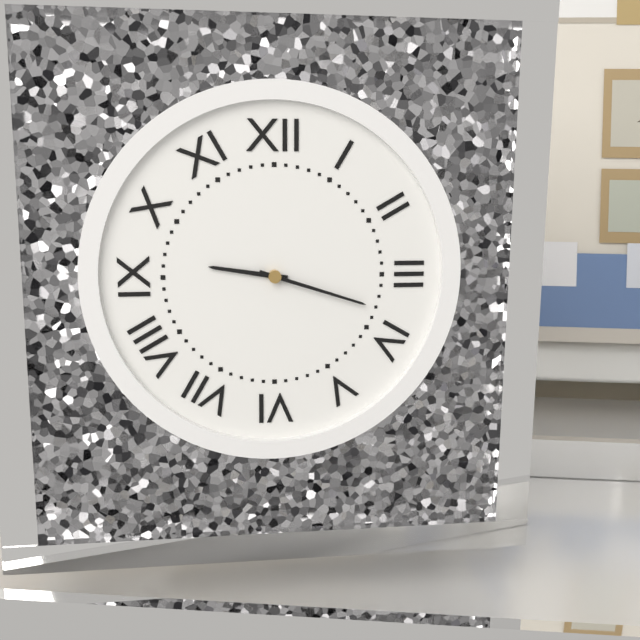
9,18
